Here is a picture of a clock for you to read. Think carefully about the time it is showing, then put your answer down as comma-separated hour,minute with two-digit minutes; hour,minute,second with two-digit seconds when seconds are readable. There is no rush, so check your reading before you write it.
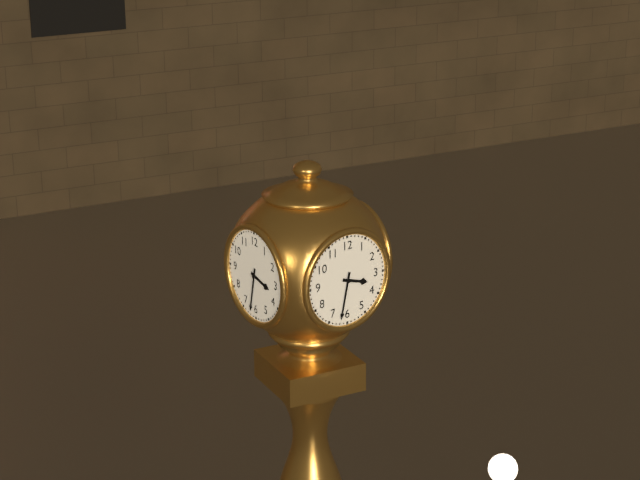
3,32
